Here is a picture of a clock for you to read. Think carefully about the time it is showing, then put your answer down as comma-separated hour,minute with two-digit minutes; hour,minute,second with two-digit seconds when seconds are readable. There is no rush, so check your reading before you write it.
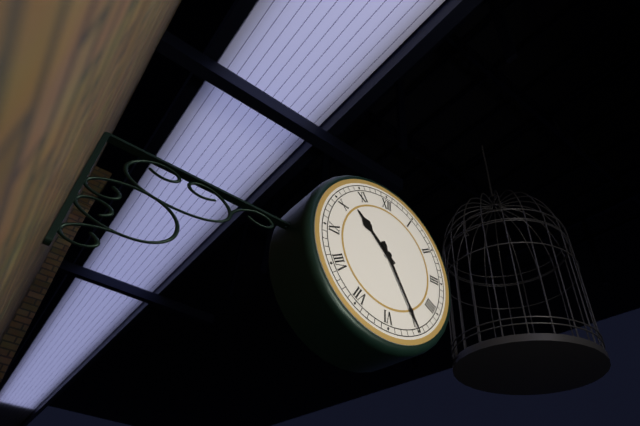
10,25
